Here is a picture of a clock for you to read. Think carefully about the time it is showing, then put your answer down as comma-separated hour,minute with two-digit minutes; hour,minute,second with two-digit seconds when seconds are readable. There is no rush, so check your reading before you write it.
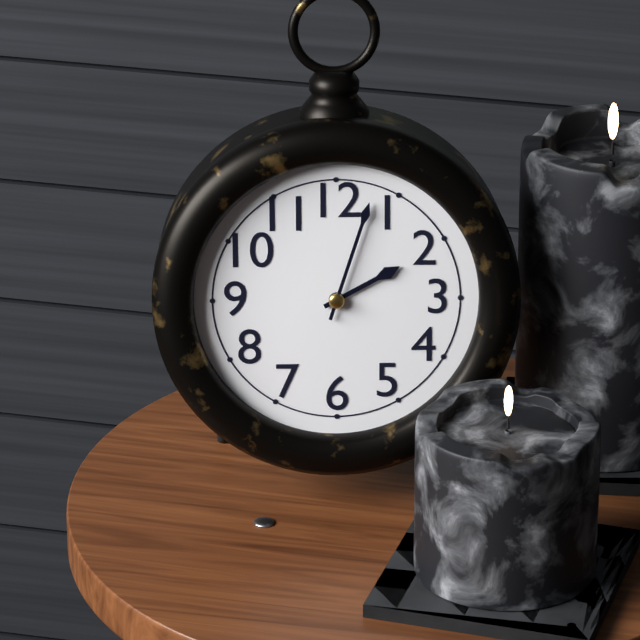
2,03
